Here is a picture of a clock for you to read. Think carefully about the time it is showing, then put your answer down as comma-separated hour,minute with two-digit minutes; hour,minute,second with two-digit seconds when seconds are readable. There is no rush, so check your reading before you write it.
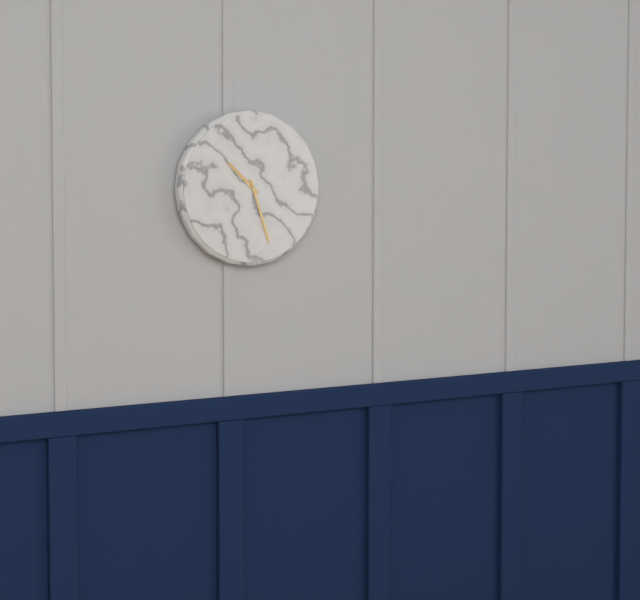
10,27
